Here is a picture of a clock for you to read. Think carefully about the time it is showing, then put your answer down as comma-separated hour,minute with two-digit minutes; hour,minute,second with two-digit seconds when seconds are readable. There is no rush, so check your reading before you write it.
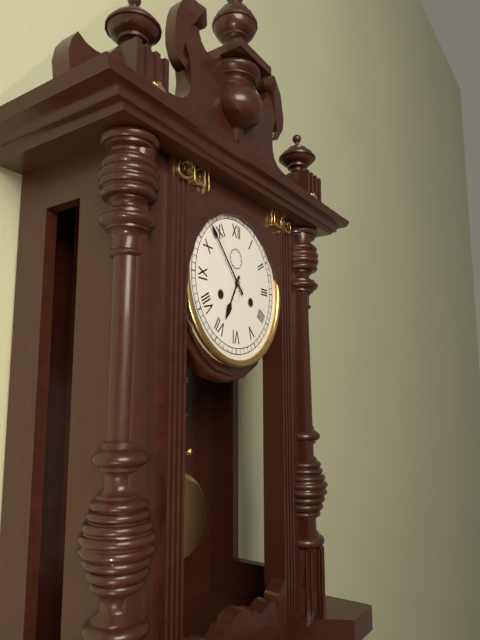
6,53
